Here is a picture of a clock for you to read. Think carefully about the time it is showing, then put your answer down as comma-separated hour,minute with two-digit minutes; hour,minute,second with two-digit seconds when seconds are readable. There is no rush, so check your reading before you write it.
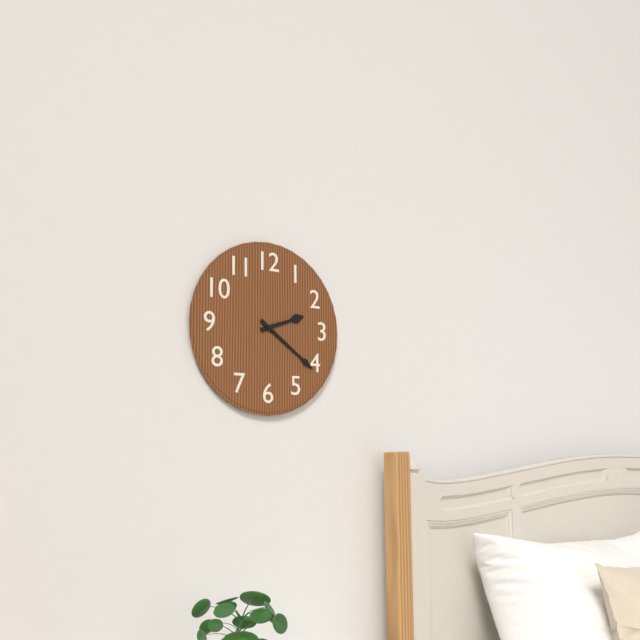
2,21
